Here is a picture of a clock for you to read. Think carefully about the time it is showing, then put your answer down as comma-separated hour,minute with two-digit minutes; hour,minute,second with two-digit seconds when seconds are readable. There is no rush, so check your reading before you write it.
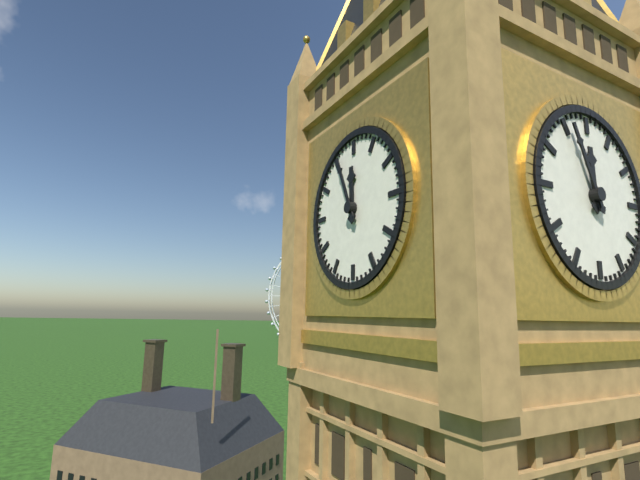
11,56
